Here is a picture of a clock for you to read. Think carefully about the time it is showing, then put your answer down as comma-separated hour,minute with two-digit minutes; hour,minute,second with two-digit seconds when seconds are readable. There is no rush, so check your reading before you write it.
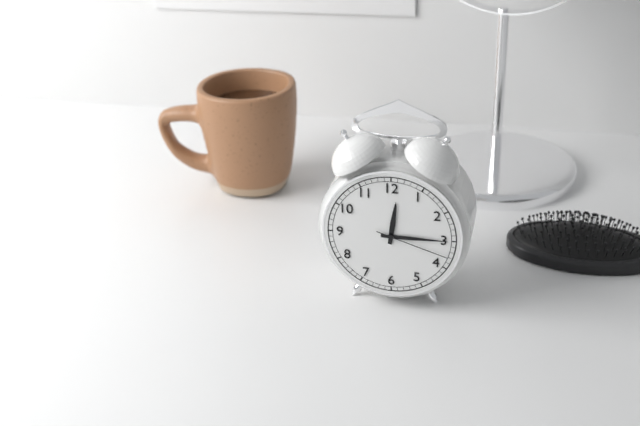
12,15,18
